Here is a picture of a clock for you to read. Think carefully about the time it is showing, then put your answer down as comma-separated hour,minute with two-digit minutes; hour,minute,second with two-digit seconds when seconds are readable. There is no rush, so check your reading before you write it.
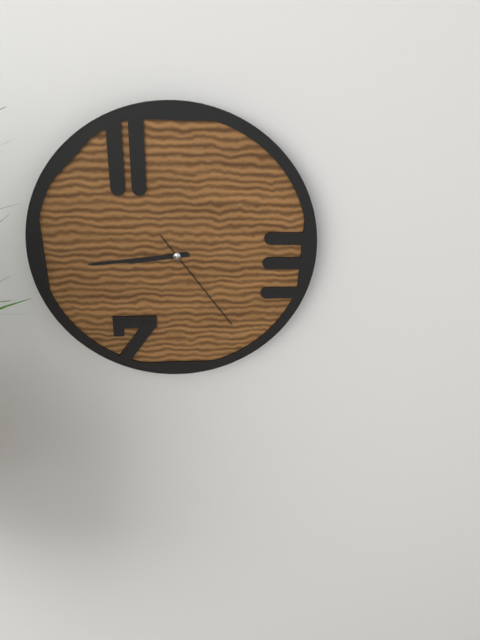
8,44,24
